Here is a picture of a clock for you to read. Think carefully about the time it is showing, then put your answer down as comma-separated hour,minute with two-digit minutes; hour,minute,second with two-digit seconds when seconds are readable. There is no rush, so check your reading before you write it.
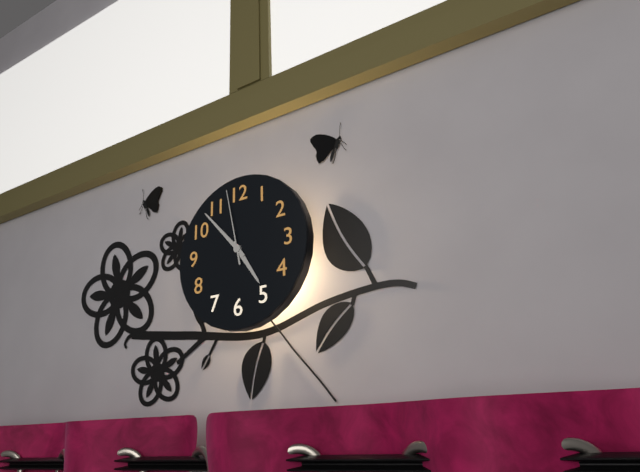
4,53,58
